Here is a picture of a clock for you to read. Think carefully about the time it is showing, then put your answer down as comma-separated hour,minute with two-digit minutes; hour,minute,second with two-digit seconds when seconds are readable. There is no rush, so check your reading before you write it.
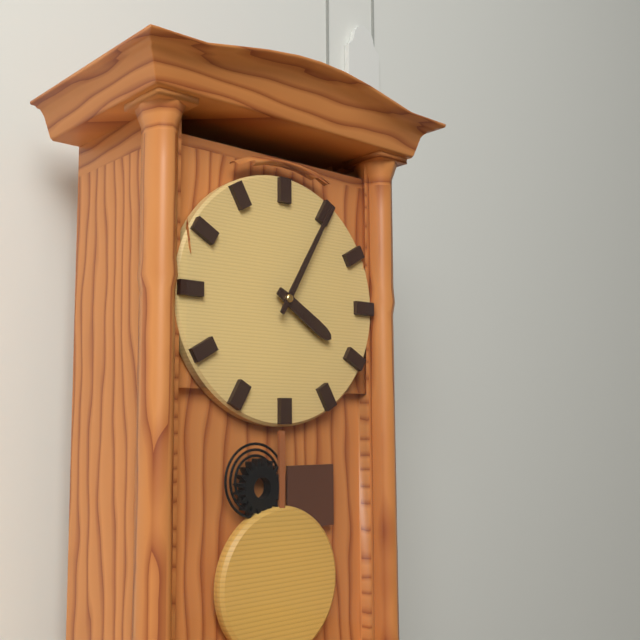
4,05
